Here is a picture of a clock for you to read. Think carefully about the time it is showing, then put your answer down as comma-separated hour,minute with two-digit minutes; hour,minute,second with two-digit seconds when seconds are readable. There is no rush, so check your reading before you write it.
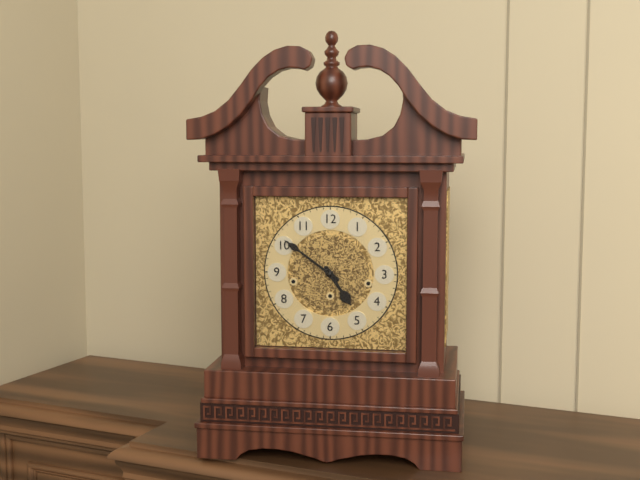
4,51
